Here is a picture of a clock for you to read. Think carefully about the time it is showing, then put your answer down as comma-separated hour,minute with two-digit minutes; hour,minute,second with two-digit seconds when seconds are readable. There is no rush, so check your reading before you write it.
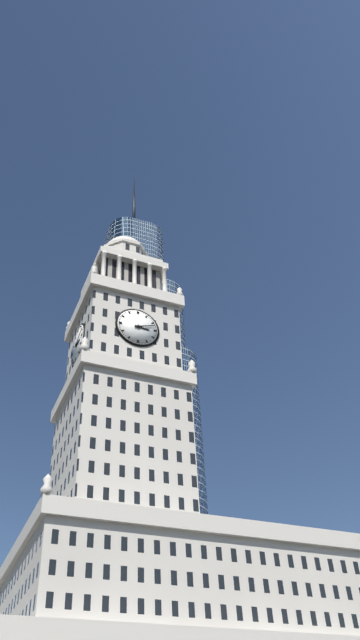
3,12
